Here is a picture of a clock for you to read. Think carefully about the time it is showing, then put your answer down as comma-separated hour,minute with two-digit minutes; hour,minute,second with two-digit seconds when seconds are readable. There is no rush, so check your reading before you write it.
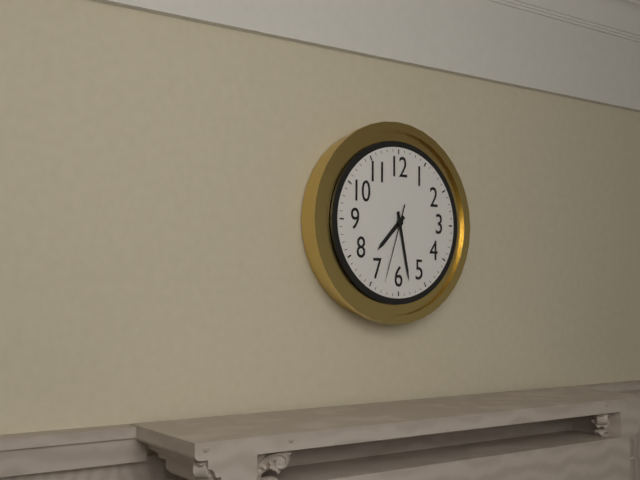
7,28,33
